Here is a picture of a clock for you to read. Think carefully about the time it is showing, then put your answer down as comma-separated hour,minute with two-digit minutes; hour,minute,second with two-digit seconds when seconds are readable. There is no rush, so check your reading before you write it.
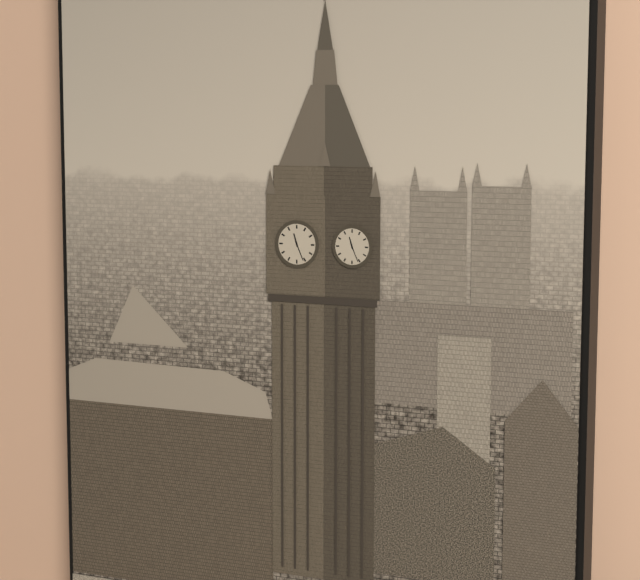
11,26
